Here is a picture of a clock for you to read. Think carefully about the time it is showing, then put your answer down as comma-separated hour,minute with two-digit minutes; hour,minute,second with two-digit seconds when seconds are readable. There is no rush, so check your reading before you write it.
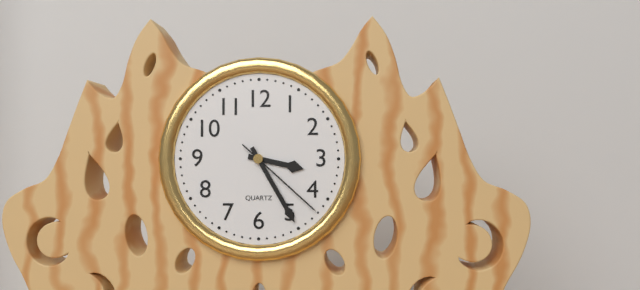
3,25,22
